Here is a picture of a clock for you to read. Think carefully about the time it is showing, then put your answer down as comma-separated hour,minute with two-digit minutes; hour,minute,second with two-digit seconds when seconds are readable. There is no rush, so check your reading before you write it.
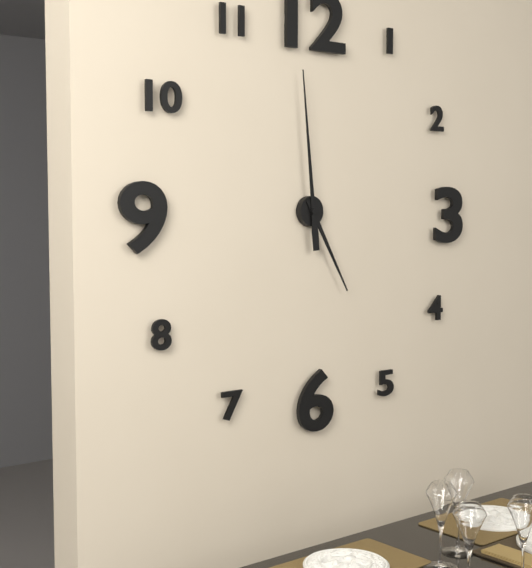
4,59
